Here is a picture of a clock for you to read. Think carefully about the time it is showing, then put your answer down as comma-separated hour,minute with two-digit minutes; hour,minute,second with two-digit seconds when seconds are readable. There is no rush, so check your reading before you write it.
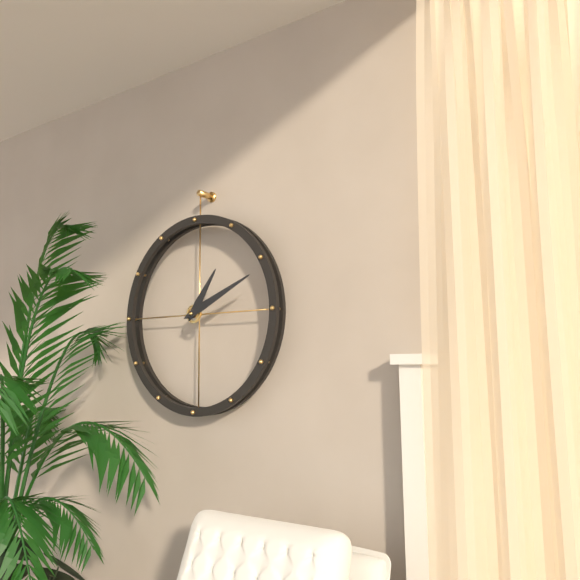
1,11
